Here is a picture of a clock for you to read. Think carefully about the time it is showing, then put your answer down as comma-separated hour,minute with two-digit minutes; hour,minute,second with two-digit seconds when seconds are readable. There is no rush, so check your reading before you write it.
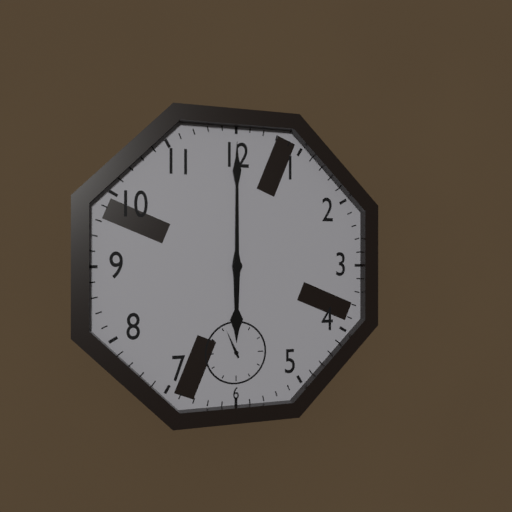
6,00
